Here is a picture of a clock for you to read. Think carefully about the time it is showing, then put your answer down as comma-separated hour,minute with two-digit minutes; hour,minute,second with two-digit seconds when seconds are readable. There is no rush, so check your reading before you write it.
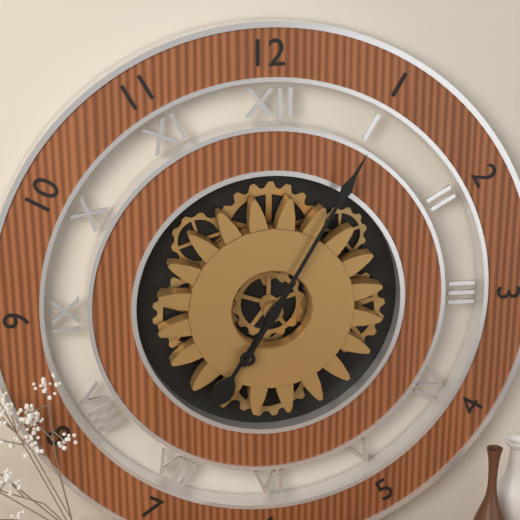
7,05
